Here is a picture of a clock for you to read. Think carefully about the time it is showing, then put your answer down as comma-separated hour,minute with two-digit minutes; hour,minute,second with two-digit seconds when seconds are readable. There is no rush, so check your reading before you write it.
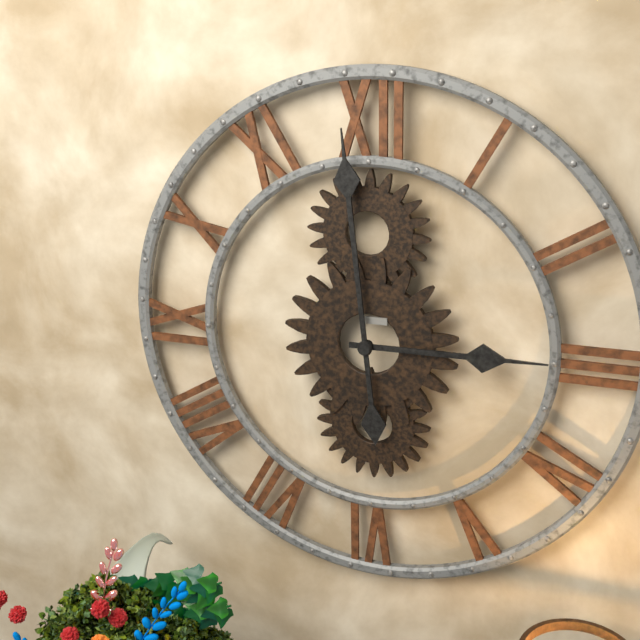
2,59
